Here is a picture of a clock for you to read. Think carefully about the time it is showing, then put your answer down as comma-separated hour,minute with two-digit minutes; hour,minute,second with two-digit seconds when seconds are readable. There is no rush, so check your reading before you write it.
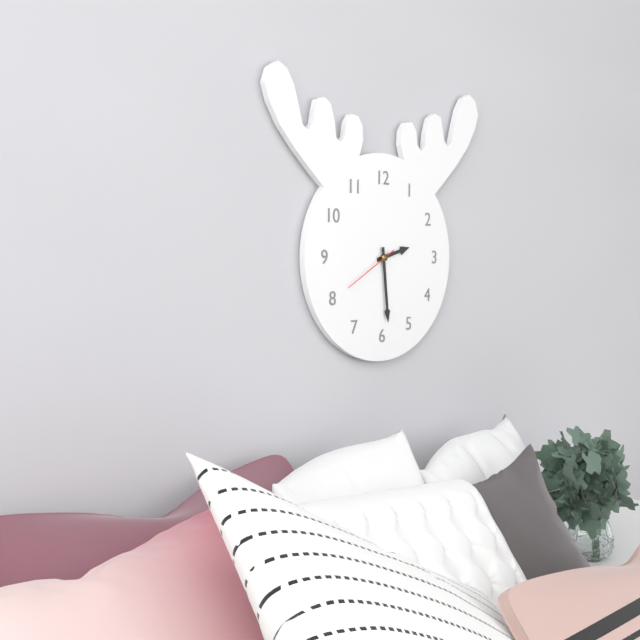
2,29,40
